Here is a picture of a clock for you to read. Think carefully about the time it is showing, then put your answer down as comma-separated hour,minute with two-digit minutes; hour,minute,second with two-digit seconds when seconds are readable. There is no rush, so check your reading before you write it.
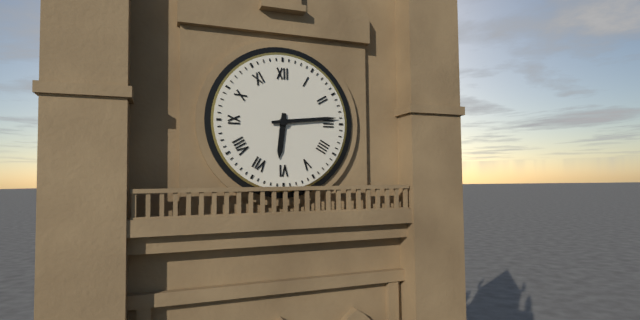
6,14
